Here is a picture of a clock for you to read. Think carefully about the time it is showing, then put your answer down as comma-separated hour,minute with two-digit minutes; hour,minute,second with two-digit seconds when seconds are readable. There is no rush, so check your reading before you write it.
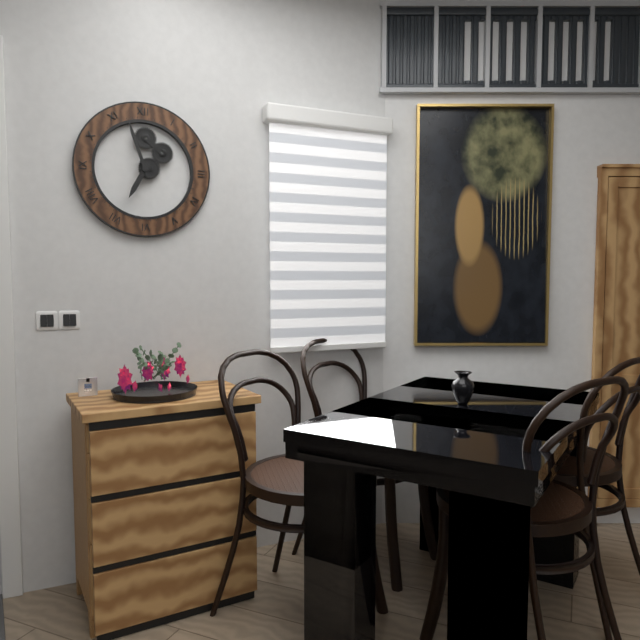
6,57
